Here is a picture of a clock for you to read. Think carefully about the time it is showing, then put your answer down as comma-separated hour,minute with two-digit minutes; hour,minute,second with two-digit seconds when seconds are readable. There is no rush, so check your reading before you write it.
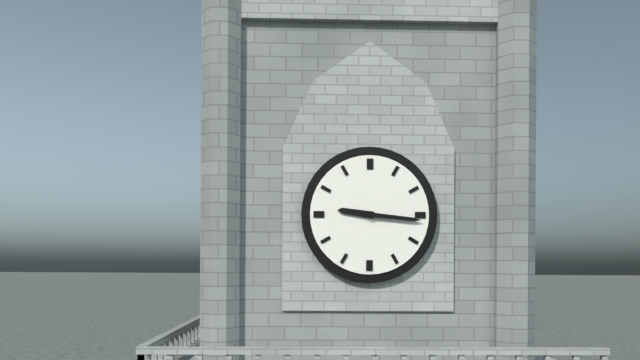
9,16
